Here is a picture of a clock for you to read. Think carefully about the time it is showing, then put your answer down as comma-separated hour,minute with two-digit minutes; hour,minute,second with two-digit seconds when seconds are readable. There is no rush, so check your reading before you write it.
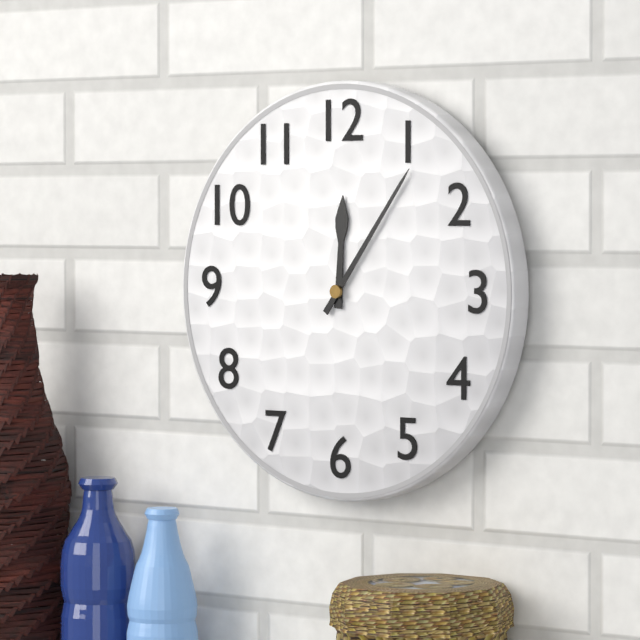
12,06
